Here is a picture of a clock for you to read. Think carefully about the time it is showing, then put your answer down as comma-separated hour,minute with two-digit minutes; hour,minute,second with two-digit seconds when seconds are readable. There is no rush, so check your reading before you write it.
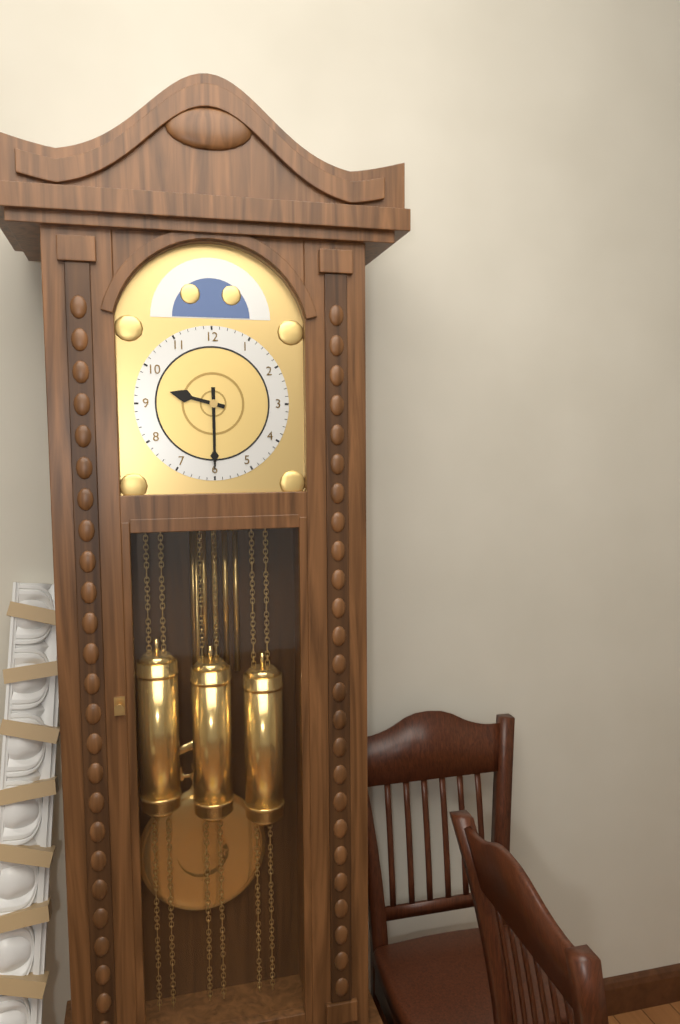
9,30
